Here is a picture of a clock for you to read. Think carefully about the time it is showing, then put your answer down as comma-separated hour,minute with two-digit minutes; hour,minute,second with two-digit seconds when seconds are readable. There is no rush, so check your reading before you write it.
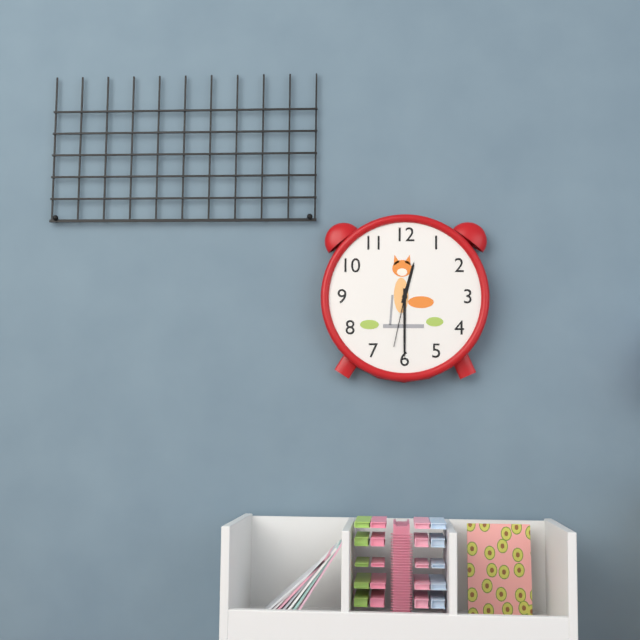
12,30,32
